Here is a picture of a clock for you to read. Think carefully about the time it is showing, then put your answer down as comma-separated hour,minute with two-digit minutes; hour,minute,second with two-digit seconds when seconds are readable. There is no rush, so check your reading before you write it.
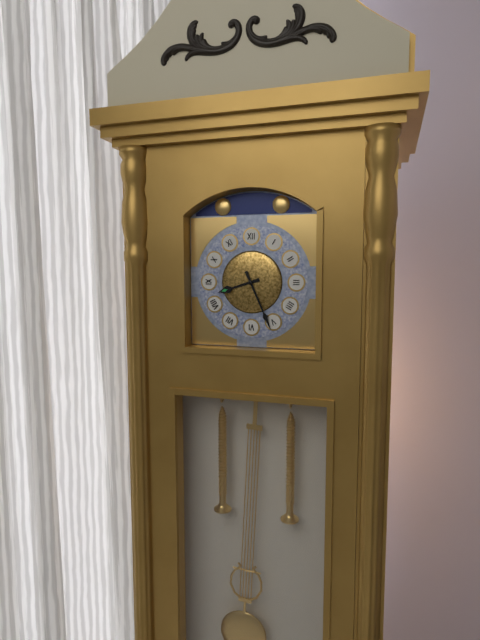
8,26
